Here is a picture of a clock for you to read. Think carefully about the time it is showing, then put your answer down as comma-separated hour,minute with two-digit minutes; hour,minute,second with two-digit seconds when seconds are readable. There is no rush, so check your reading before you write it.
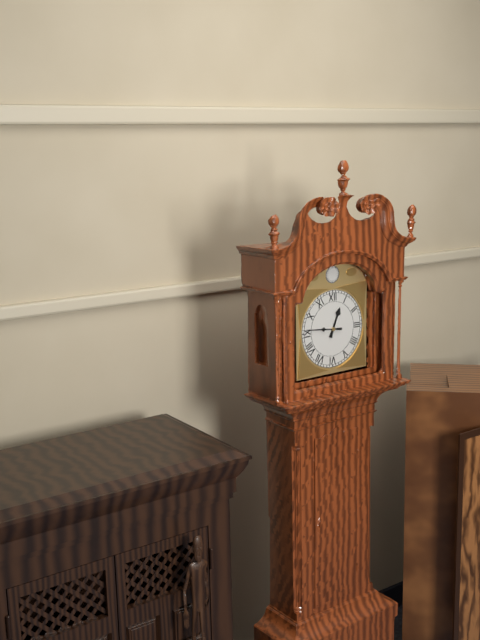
12,46
